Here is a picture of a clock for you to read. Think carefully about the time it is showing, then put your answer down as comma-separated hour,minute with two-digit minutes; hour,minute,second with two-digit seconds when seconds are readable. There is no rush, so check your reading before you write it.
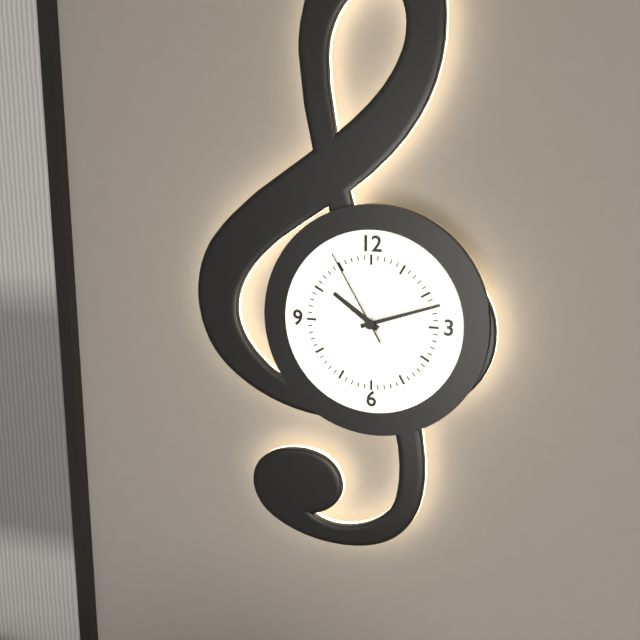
10,12,55
